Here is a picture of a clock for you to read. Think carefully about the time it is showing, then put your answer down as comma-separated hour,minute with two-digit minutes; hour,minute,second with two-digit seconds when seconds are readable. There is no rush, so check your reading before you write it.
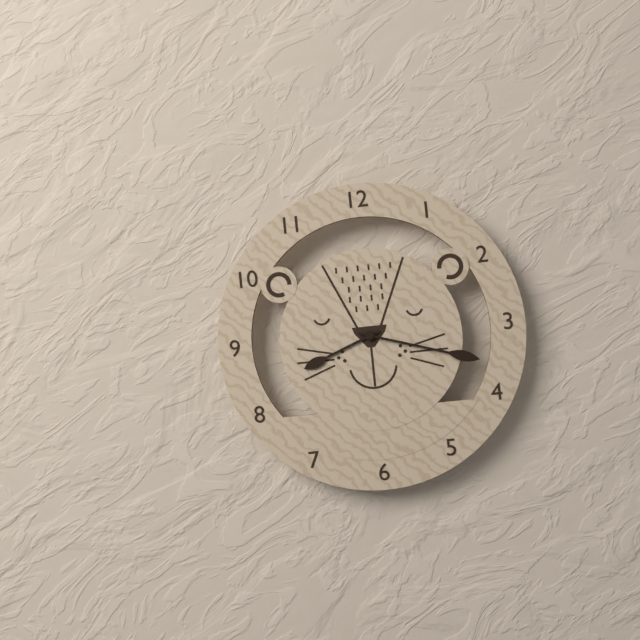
8,18
